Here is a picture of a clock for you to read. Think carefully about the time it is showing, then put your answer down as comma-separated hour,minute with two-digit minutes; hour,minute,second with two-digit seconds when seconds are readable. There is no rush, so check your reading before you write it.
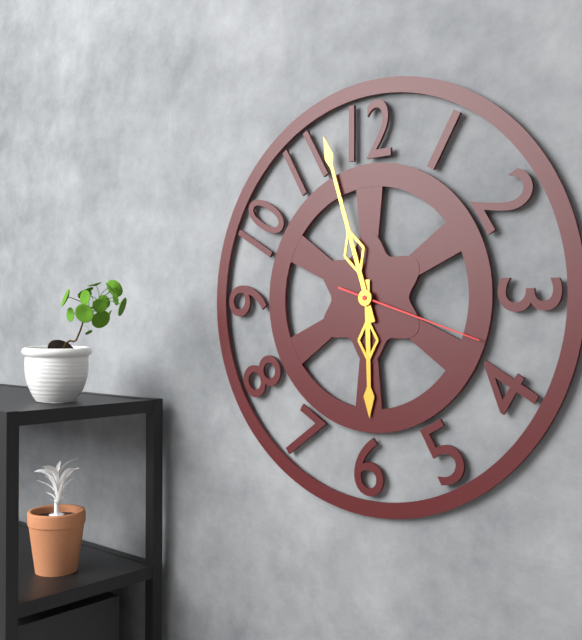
5,57,18
